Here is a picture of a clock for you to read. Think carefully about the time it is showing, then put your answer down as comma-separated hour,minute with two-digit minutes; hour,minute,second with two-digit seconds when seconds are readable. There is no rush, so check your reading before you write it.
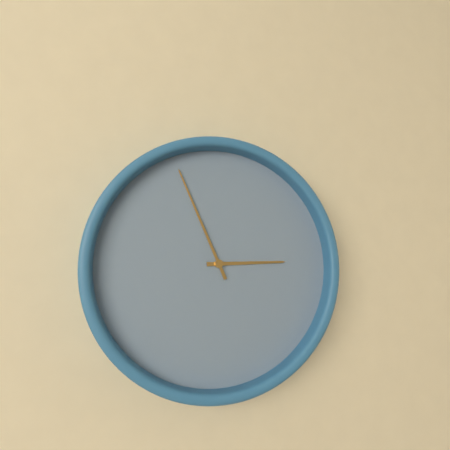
2,56
